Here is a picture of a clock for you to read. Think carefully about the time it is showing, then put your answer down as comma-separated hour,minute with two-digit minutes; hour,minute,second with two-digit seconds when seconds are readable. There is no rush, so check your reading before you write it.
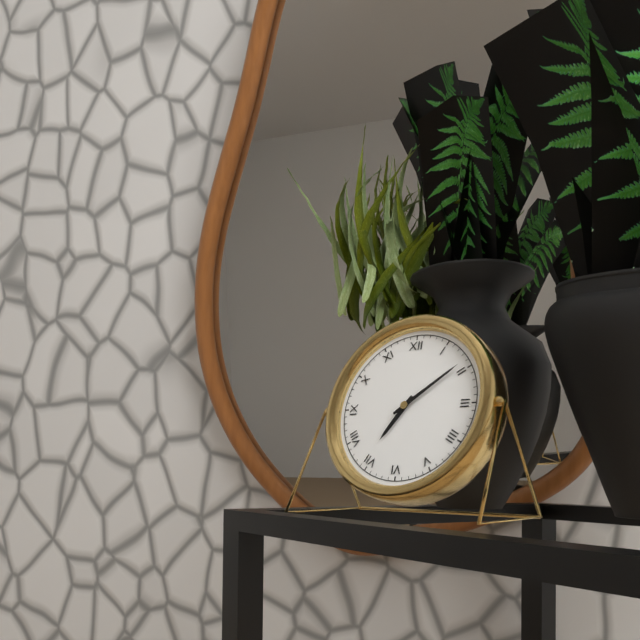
7,09
